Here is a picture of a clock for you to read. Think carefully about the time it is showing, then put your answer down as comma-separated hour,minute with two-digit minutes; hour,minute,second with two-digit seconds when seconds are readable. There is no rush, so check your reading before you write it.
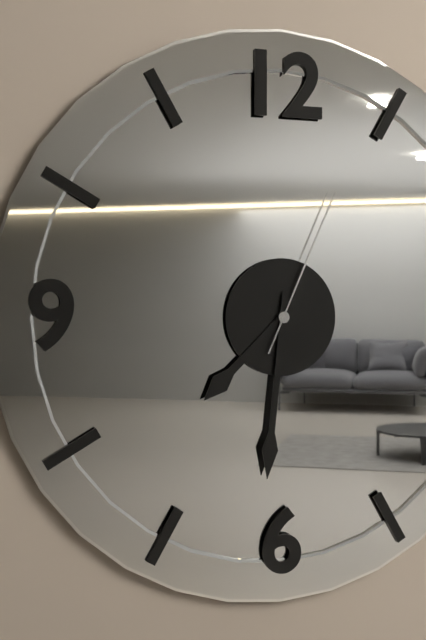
7,31,04
